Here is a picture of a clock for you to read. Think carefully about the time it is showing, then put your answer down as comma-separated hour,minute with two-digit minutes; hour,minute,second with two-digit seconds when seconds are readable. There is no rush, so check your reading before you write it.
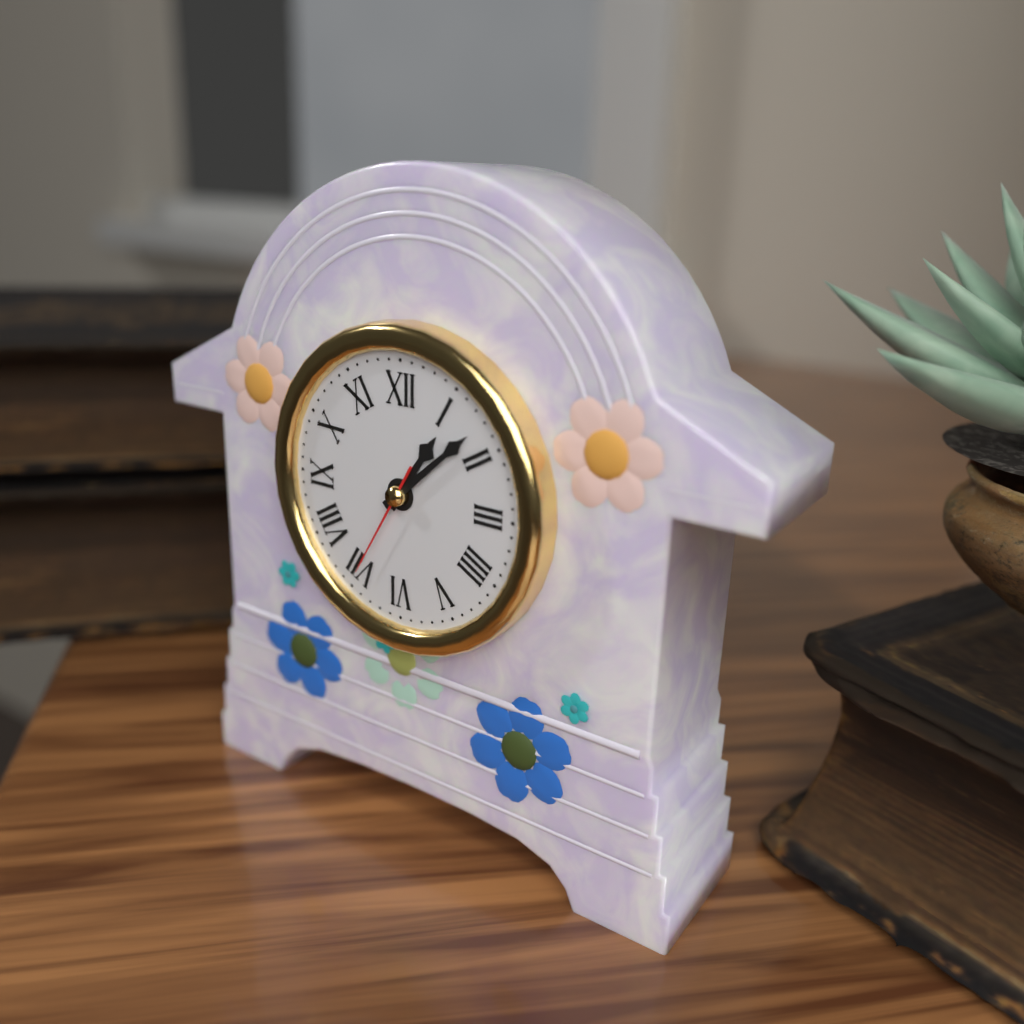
1,08,35
